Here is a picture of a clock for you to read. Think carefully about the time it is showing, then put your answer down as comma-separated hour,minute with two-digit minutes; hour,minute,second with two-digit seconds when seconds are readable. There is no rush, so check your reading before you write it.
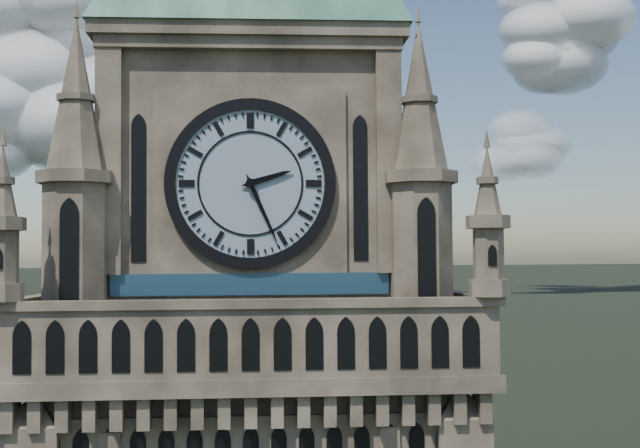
2,26
